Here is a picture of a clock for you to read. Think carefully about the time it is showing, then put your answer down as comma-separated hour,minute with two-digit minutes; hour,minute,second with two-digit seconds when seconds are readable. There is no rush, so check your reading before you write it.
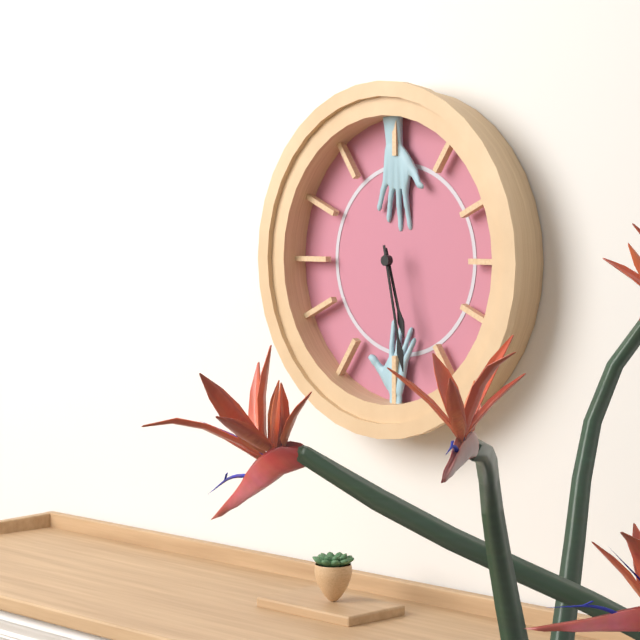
5,28
